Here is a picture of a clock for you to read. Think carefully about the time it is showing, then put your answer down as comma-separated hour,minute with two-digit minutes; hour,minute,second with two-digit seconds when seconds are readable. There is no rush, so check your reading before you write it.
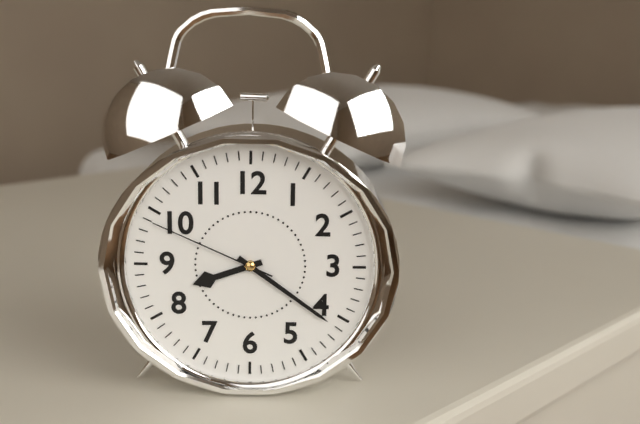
8,21,49
